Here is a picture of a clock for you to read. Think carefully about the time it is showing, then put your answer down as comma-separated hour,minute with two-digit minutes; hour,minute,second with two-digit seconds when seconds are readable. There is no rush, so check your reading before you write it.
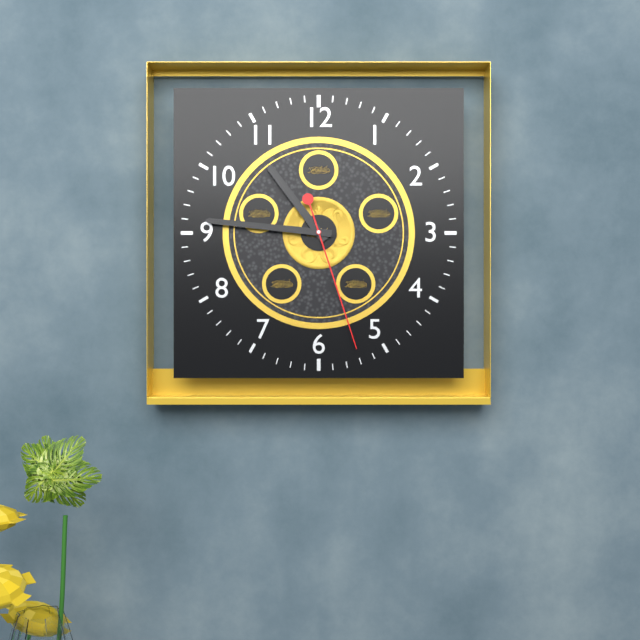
10,46,27
